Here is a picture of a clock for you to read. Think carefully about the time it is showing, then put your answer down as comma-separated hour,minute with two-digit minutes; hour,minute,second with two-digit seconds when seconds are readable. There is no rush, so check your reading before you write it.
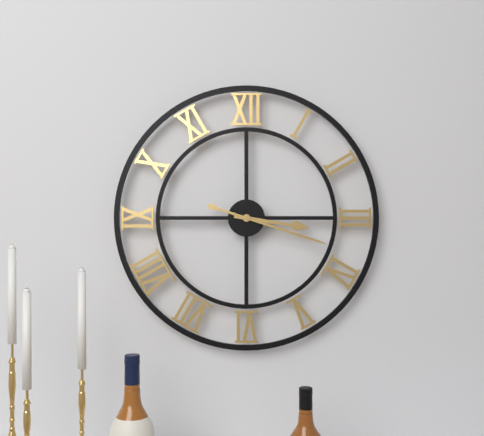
3,18
